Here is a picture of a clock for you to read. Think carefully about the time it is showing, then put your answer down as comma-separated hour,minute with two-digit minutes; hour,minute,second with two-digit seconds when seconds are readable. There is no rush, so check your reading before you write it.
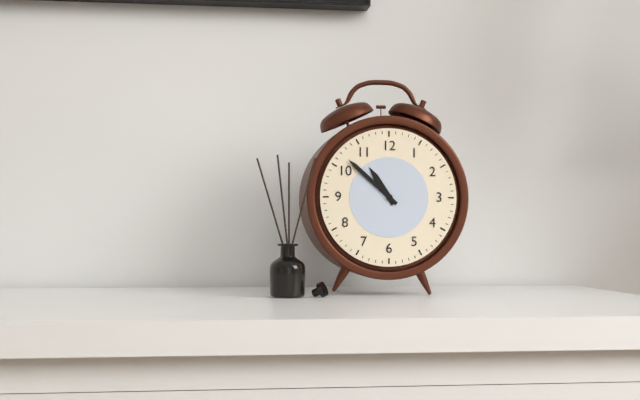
10,52
